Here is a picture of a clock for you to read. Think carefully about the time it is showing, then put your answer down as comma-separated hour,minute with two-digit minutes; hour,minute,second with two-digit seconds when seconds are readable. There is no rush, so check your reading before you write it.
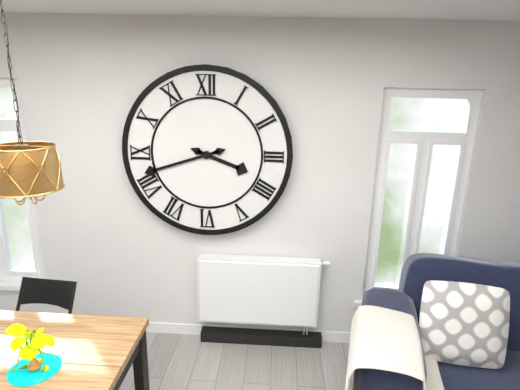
3,42
